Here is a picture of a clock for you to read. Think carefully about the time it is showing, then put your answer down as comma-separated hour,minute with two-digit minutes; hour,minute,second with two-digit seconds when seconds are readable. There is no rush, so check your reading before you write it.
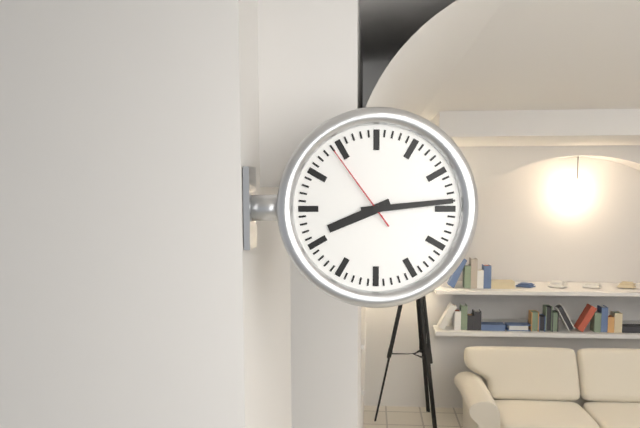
8,14,54
